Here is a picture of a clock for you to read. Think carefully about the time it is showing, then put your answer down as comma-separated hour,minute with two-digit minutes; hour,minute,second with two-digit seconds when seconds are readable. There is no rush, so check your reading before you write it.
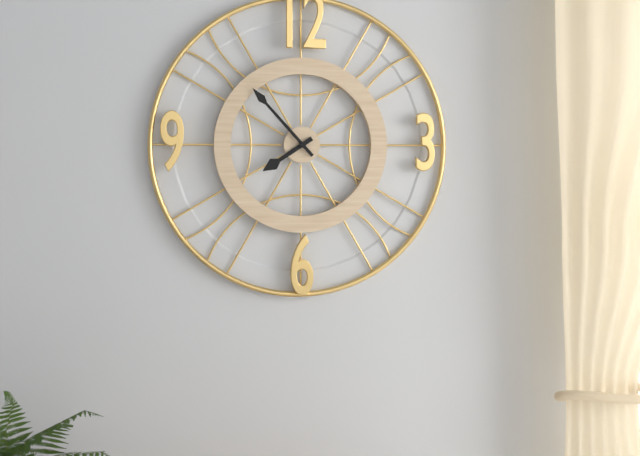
7,53
